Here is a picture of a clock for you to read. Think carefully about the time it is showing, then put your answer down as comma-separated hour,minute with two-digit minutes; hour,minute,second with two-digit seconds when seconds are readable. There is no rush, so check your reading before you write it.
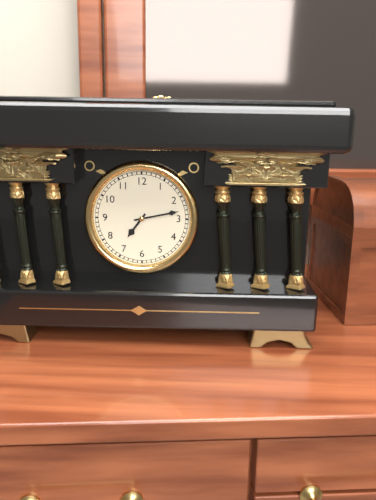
7,13
